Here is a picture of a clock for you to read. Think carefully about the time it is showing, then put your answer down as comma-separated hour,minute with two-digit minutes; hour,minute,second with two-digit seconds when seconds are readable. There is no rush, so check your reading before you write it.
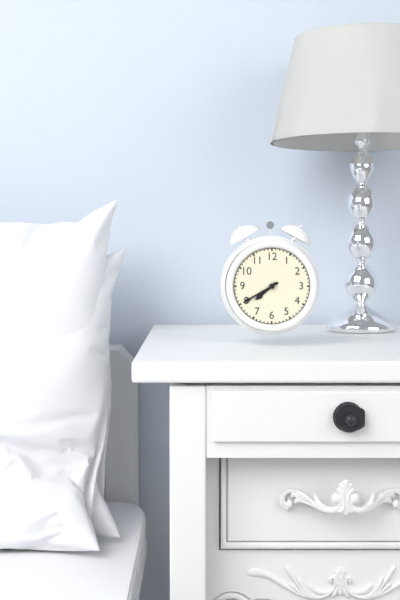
7,40
